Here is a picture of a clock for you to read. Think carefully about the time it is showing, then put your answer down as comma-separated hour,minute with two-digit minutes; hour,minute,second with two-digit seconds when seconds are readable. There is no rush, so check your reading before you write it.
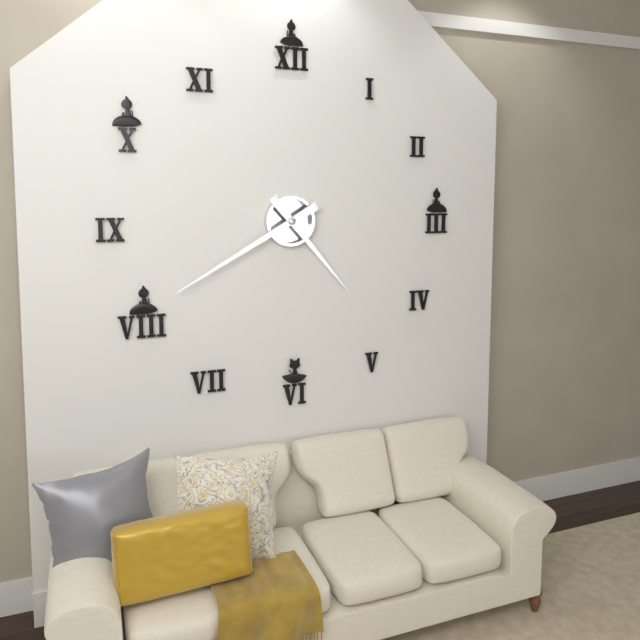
4,40
